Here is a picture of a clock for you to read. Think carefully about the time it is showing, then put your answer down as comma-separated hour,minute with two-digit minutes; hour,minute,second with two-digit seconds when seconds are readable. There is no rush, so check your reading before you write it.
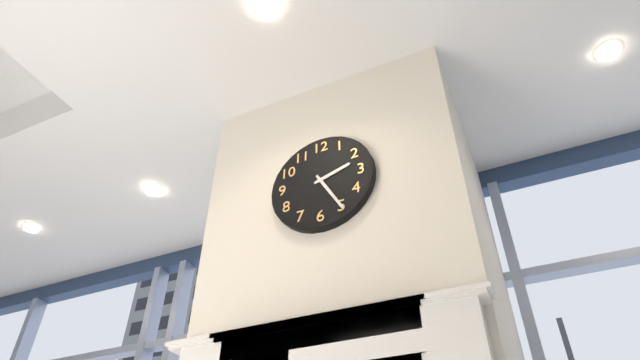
2,25
